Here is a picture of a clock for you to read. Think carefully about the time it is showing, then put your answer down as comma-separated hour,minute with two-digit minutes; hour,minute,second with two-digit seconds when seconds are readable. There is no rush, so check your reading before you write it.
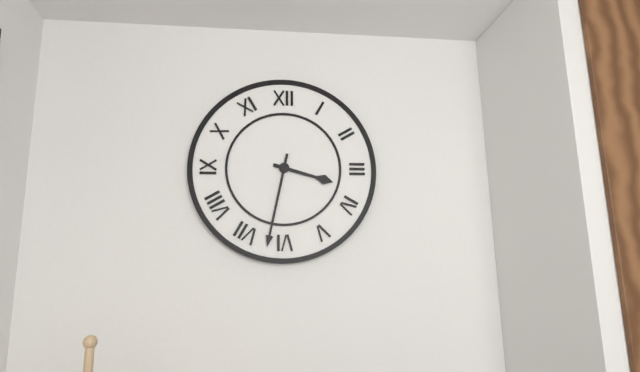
3,32
